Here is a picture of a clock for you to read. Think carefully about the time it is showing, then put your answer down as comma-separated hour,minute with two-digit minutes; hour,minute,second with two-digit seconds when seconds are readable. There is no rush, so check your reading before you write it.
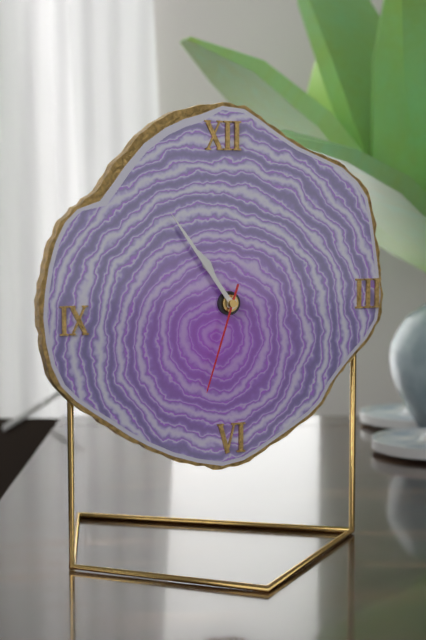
10,54,33
